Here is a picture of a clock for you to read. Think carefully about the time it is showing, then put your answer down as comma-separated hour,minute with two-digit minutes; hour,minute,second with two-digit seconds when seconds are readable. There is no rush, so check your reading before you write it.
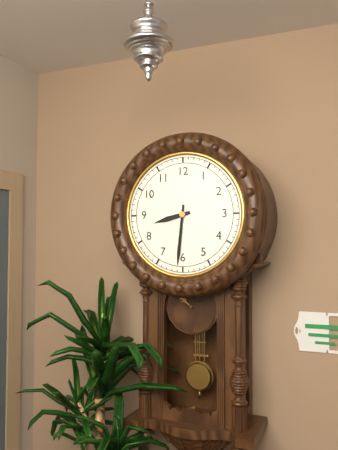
8,31
